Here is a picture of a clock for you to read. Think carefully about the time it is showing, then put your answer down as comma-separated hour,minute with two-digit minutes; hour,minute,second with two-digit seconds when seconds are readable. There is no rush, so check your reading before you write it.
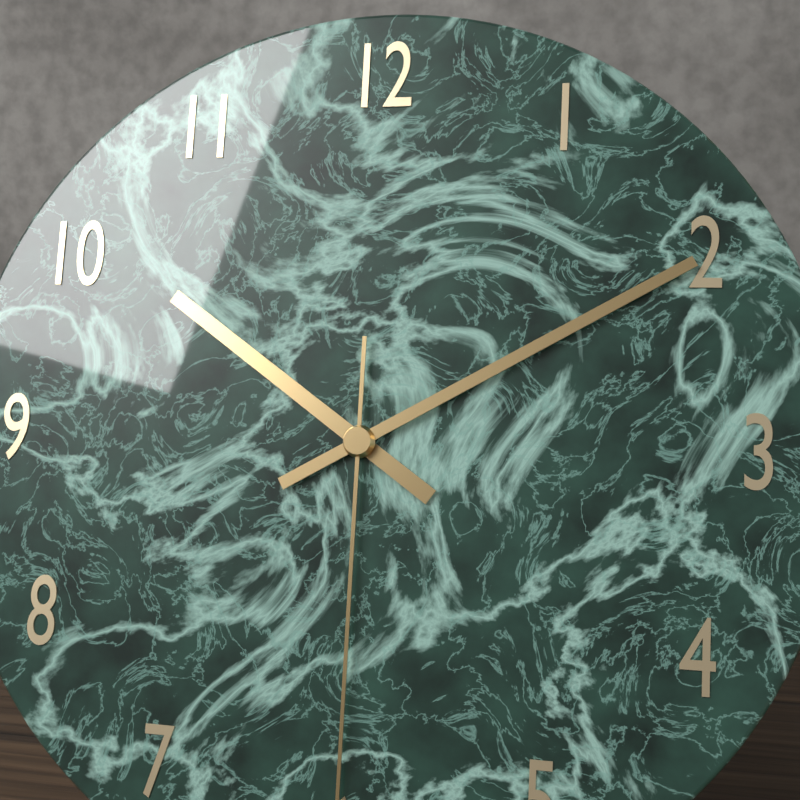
10,10
